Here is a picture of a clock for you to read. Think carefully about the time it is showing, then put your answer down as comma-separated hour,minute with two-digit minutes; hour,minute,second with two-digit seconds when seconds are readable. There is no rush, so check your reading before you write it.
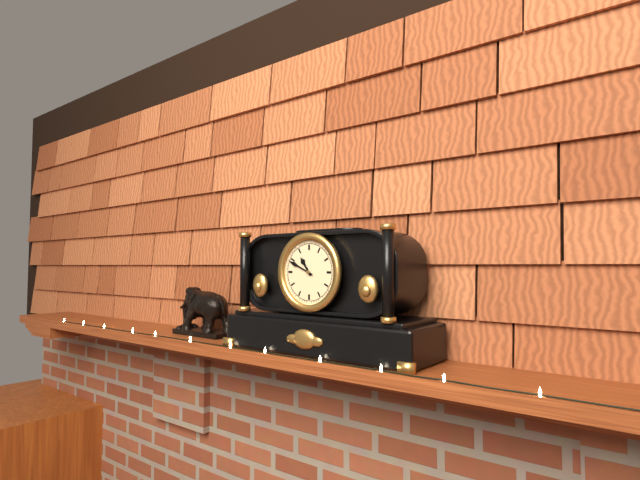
10,49
